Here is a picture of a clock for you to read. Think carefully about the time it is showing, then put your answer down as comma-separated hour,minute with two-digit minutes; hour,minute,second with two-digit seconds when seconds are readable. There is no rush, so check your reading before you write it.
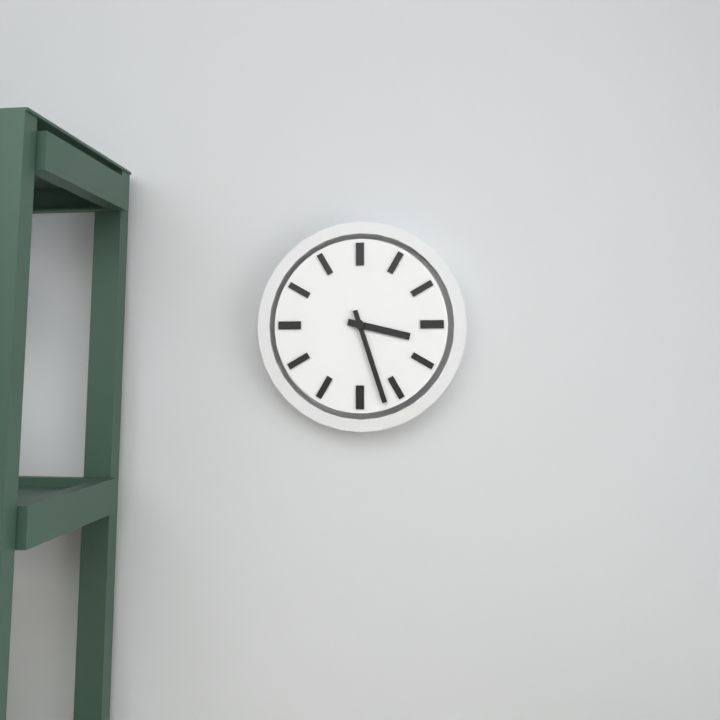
3,27
